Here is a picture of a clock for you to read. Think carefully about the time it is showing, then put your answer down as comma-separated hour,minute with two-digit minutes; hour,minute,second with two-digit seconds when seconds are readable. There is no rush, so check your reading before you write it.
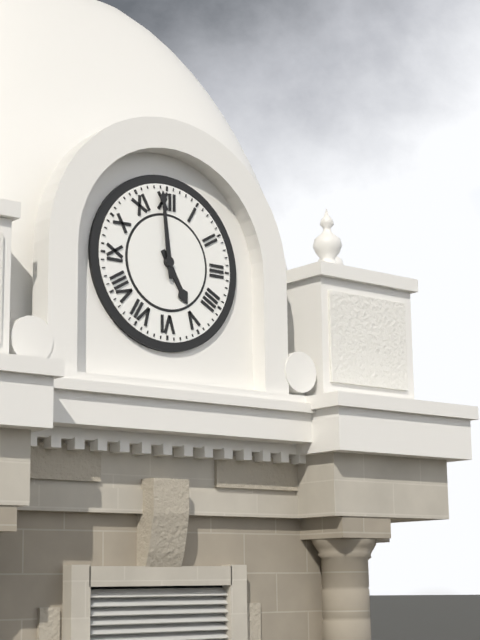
4,59
